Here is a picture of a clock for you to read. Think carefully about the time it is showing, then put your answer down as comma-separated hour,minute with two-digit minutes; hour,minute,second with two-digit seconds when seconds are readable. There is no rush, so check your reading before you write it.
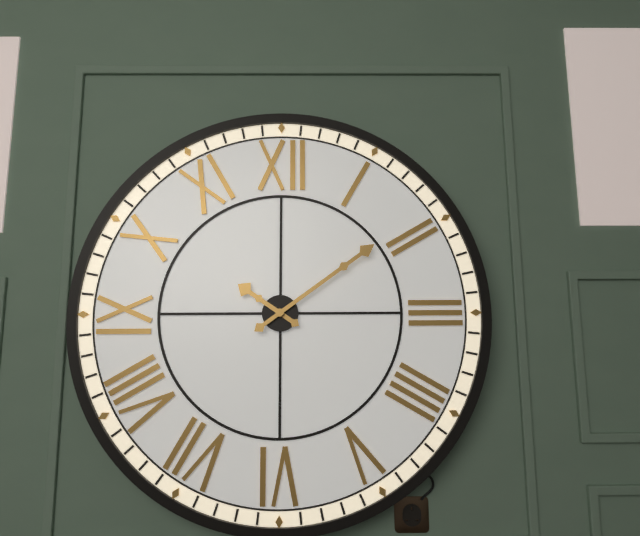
10,09
